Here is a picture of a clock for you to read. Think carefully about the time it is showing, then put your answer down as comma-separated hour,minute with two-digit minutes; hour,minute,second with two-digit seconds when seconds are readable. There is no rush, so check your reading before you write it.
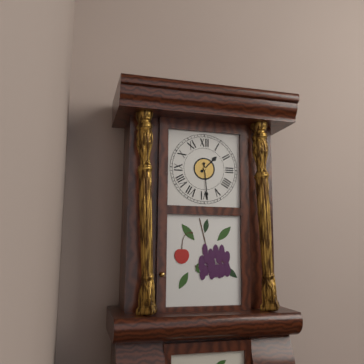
1,29
